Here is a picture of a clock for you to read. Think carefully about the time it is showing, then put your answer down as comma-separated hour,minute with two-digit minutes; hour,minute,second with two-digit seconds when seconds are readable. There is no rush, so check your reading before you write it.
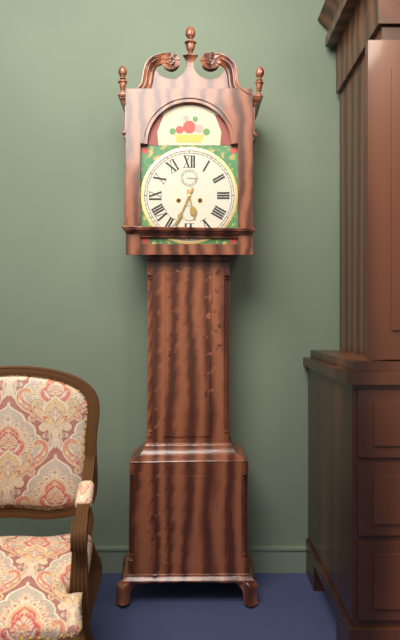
5,34
